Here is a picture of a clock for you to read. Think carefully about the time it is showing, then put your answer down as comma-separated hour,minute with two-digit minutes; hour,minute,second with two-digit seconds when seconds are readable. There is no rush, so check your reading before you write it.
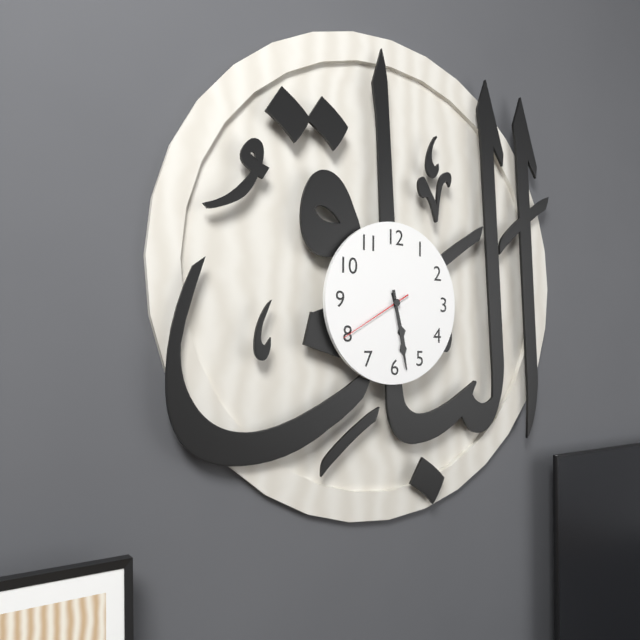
5,28,40
